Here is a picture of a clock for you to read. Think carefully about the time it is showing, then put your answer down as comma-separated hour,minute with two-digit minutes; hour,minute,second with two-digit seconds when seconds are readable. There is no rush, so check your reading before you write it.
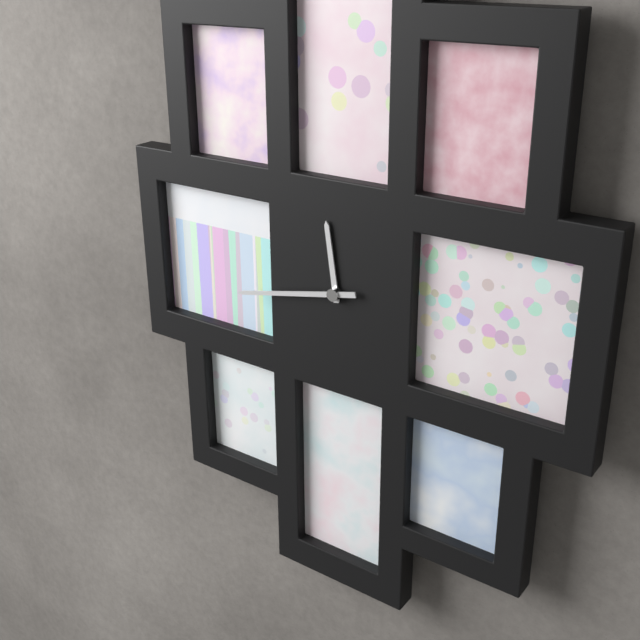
11,43
